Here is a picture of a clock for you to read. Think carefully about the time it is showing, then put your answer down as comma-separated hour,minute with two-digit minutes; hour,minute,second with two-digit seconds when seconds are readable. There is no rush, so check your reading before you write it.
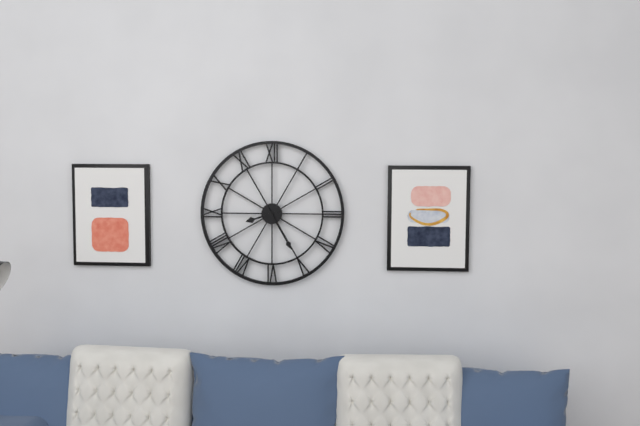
8,25
